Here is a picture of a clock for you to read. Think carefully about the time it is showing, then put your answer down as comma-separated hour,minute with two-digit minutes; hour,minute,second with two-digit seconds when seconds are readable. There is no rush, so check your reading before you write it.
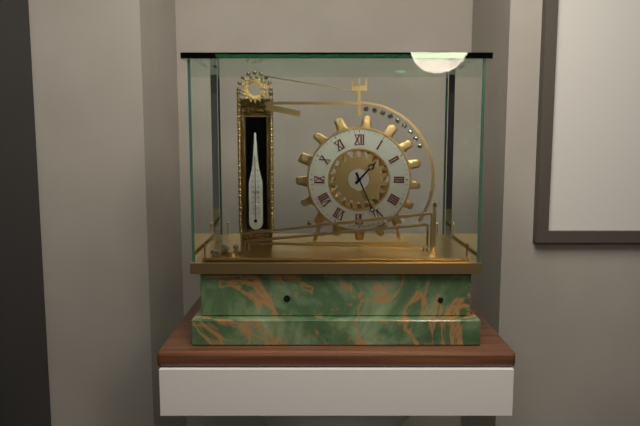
1,26
